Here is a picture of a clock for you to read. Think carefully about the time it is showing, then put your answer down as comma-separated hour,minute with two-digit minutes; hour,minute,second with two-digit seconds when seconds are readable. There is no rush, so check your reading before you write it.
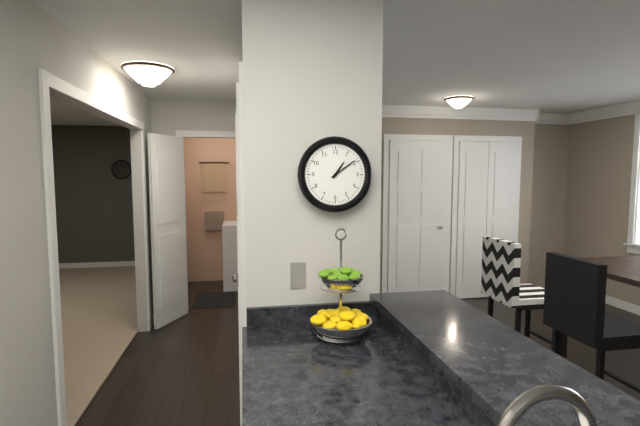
1,09
